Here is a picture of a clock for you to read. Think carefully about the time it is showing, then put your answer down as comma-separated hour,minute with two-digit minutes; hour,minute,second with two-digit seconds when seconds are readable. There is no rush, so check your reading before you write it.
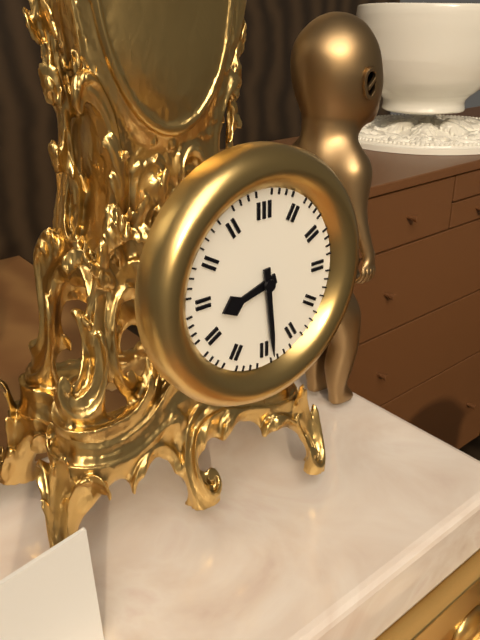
8,29
